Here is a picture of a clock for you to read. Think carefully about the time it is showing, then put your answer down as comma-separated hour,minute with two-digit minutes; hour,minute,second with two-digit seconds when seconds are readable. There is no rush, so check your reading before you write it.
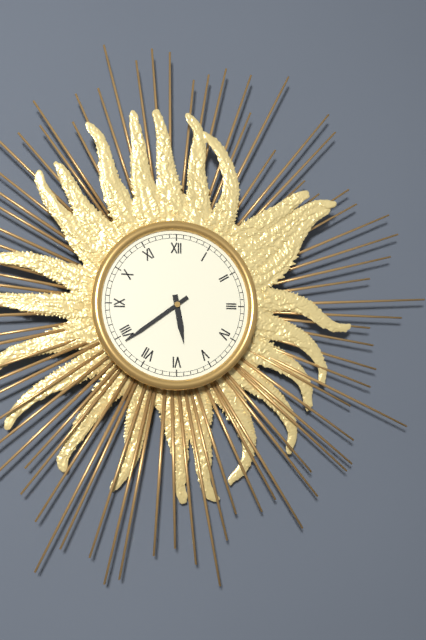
5,39
